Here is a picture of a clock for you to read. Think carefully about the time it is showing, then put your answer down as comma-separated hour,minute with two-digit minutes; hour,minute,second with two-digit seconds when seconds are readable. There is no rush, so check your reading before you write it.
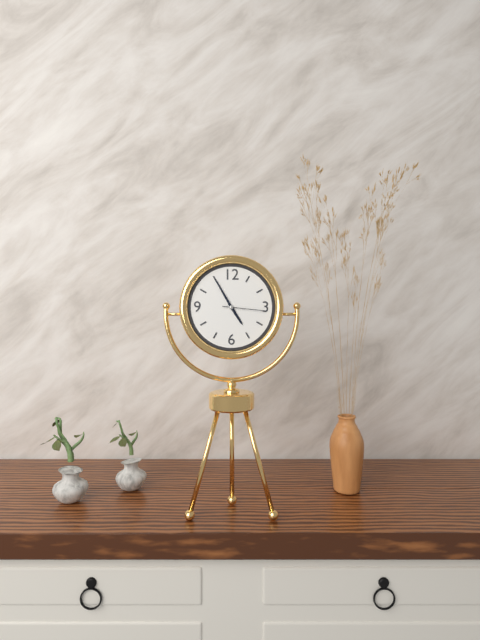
4,55
